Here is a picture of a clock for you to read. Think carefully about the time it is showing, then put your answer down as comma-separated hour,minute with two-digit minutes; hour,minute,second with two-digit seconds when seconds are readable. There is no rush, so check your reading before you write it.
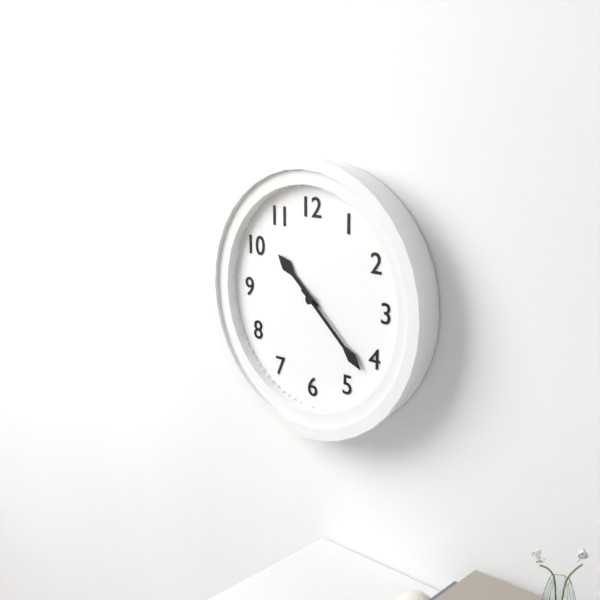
10,22
